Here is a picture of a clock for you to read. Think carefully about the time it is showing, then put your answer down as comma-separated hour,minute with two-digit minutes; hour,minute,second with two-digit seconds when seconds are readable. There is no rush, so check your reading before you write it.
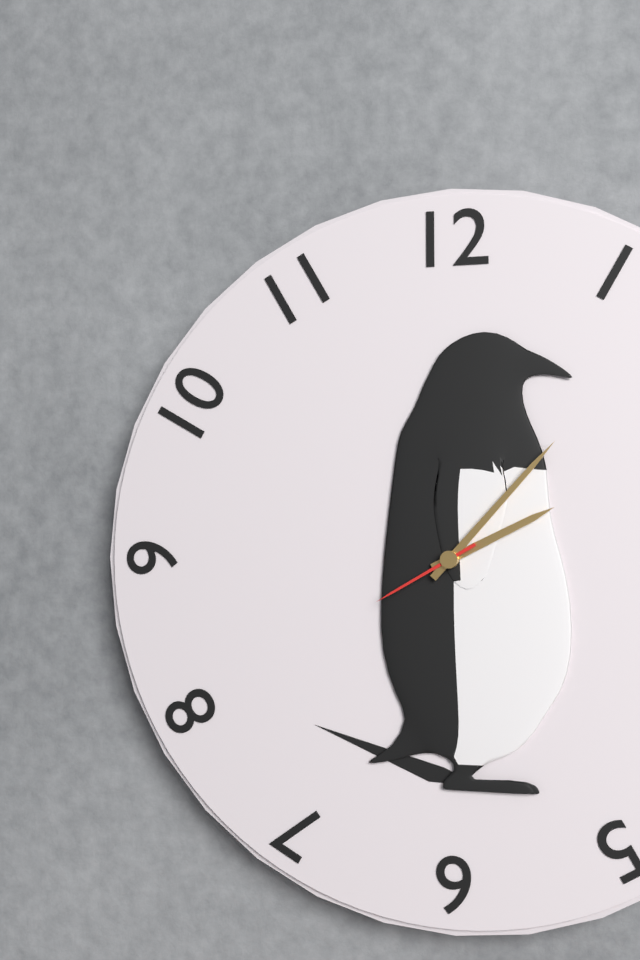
2,07,40
